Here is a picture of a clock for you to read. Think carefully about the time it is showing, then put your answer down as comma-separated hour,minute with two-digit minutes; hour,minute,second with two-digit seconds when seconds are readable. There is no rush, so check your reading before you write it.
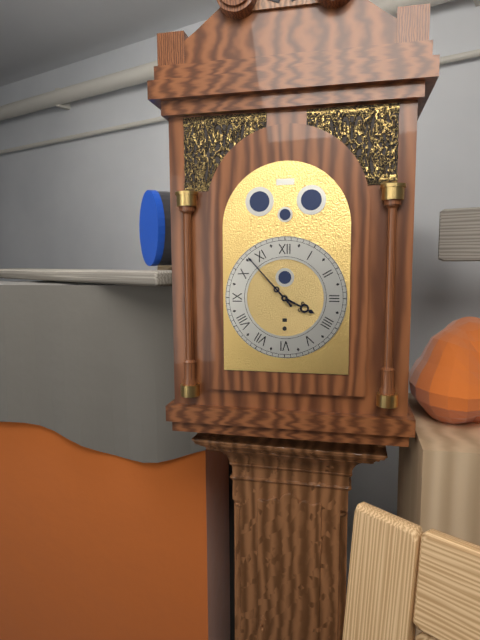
3,53
